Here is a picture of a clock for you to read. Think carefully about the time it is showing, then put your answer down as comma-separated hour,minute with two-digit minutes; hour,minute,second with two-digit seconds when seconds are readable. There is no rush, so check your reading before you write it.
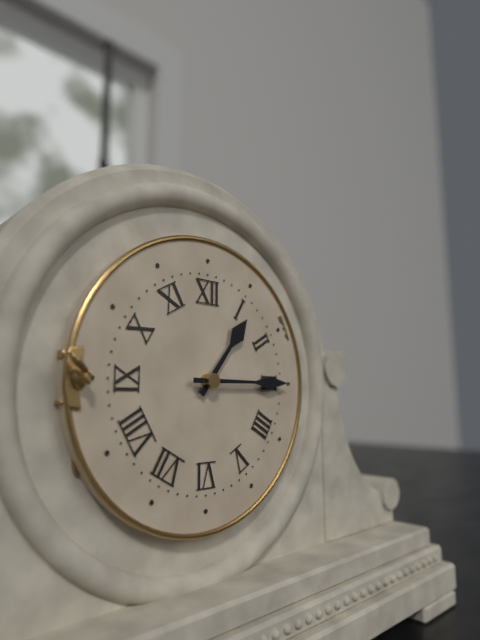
1,15
